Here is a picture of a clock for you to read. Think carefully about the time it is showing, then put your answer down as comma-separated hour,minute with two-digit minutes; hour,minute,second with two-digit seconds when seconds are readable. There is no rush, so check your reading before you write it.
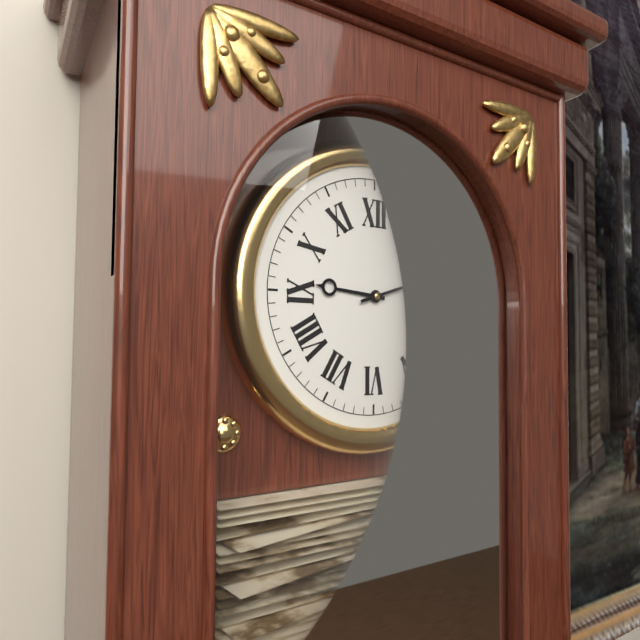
9,12
